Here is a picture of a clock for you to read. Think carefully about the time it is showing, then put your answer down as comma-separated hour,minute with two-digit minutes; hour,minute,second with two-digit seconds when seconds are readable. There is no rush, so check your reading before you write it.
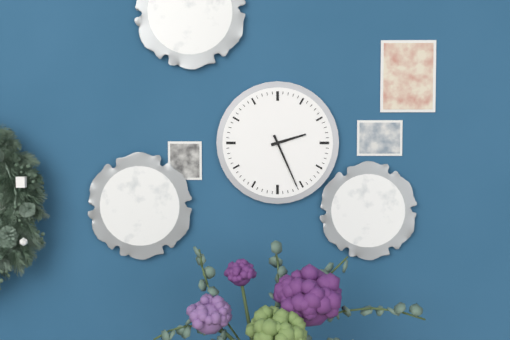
2,26
